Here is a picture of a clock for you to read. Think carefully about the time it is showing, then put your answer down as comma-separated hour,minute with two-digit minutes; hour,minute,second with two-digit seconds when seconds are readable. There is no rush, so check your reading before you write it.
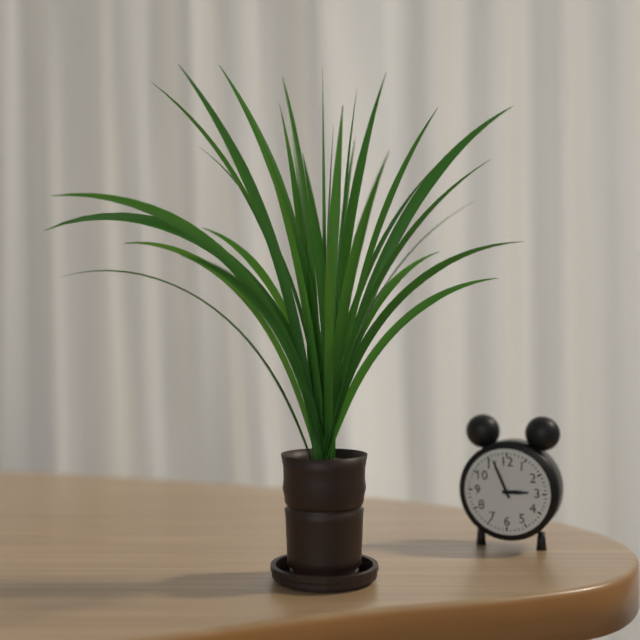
2,56
